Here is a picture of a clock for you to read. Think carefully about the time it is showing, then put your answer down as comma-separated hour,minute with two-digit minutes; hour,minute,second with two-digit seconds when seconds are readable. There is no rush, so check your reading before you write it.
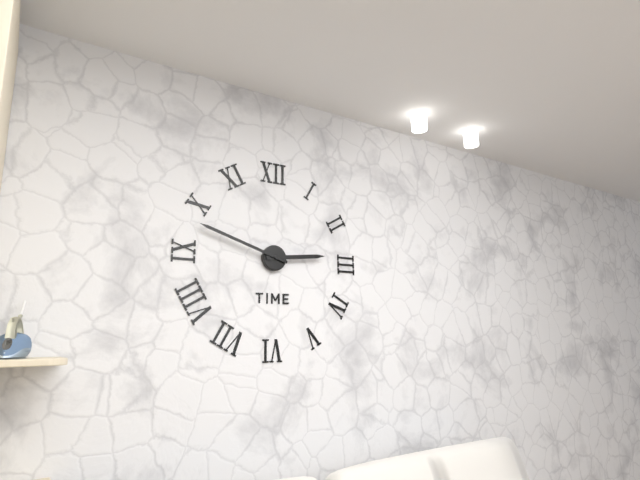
2,48
